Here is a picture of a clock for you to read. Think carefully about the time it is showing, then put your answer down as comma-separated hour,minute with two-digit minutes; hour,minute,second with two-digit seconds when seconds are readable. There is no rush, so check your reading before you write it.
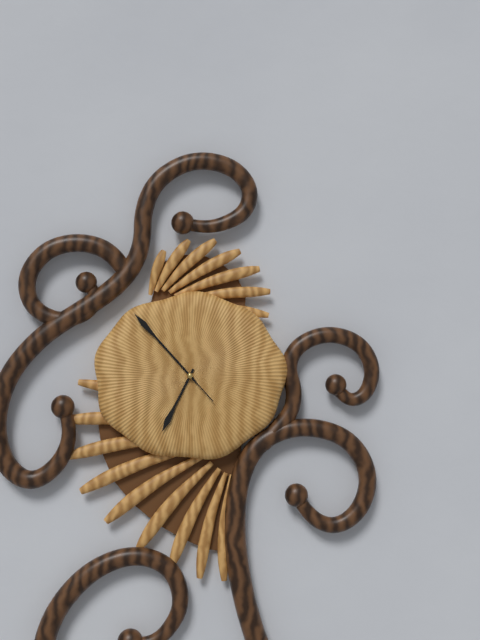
6,53,53
